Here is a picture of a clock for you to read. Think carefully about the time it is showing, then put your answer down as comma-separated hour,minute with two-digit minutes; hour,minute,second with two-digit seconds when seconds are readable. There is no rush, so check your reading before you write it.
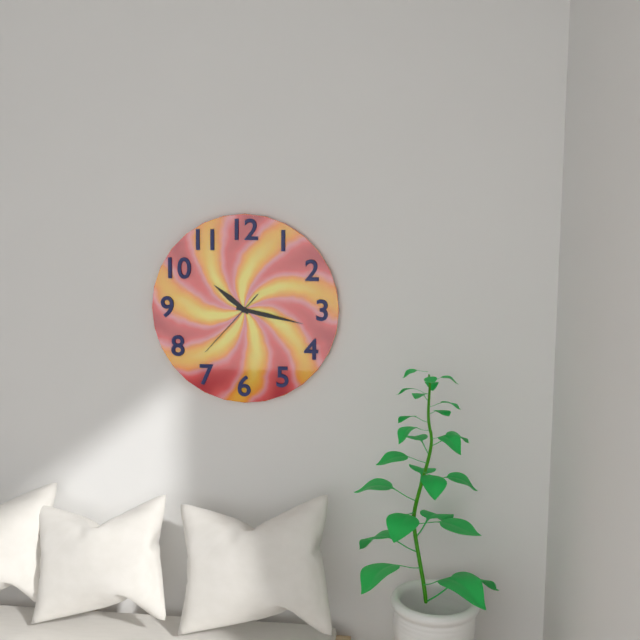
10,17,37
